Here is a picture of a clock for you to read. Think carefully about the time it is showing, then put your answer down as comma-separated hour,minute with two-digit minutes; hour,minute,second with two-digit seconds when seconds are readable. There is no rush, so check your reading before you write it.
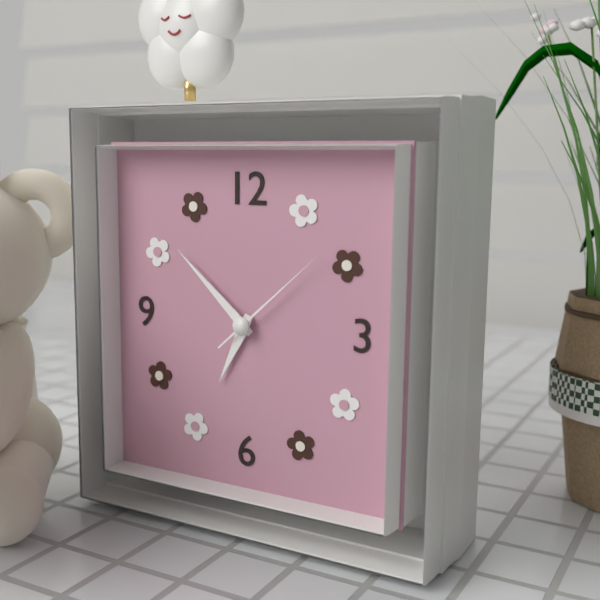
6,52,08
